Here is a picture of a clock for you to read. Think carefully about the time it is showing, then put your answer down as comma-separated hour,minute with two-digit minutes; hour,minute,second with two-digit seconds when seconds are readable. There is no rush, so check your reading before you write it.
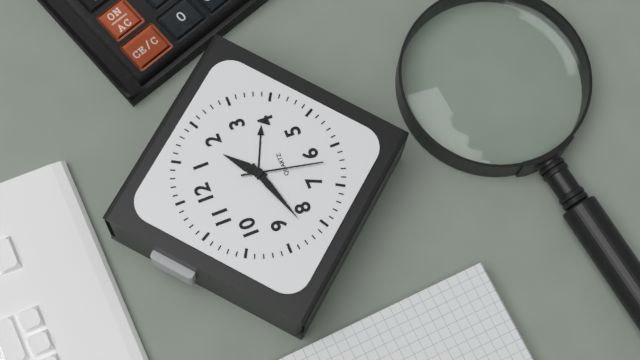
1,42,32
